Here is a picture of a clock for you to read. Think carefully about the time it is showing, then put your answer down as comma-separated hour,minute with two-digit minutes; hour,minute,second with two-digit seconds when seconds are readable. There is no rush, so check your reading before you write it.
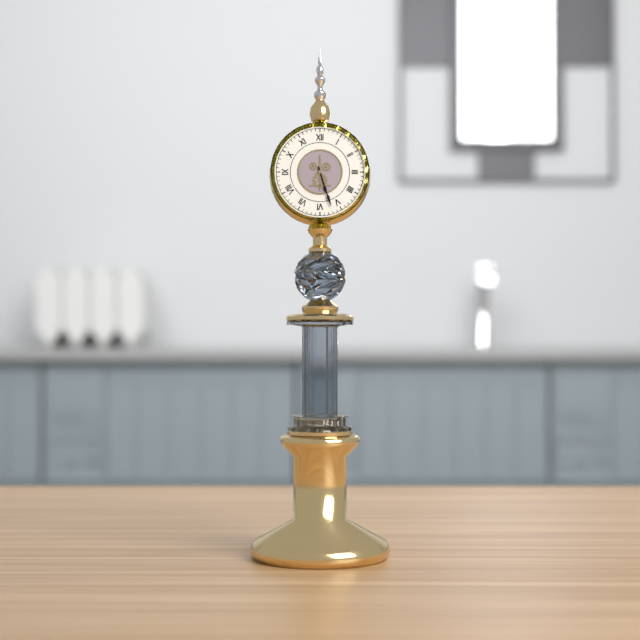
5,27
